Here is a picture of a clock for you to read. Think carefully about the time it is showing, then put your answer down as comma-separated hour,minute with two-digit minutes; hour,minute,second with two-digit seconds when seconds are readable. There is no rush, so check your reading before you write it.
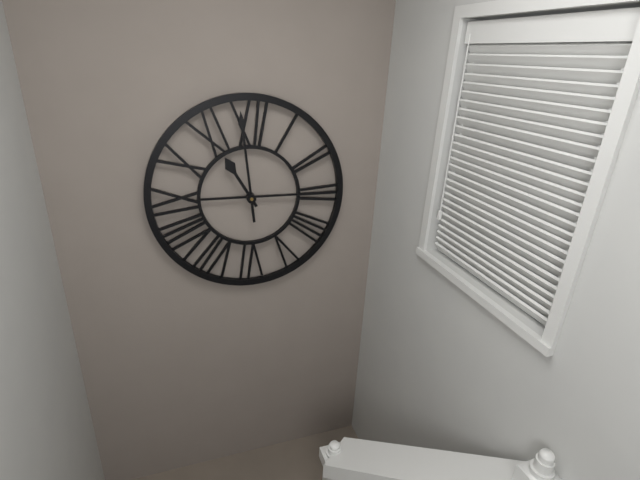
10,59
